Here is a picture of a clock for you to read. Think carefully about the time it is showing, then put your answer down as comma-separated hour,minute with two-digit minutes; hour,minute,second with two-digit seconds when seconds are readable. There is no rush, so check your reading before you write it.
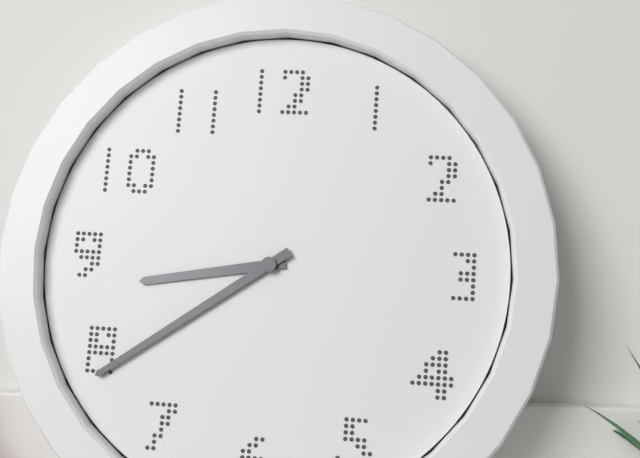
8,39
